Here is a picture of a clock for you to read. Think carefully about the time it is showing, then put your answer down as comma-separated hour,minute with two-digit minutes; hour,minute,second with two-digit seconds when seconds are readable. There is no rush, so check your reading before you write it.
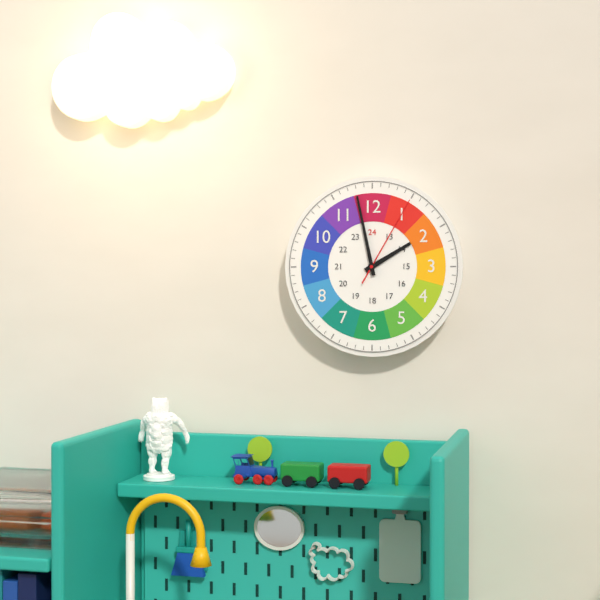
1,58,05
